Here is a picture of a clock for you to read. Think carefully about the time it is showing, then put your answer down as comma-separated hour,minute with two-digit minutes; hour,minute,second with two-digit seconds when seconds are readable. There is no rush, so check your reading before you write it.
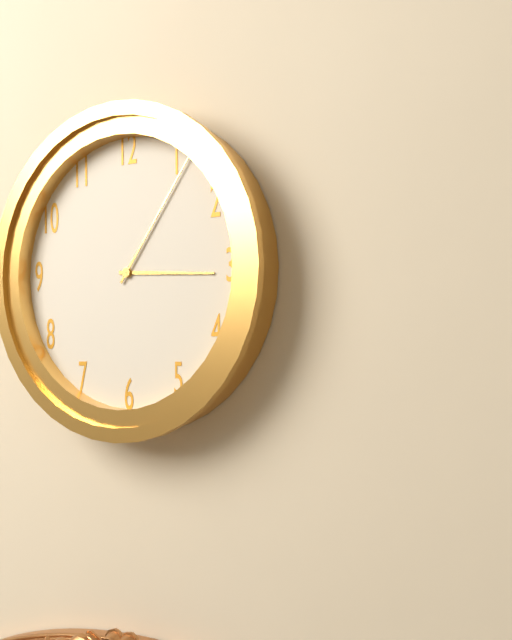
3,06
